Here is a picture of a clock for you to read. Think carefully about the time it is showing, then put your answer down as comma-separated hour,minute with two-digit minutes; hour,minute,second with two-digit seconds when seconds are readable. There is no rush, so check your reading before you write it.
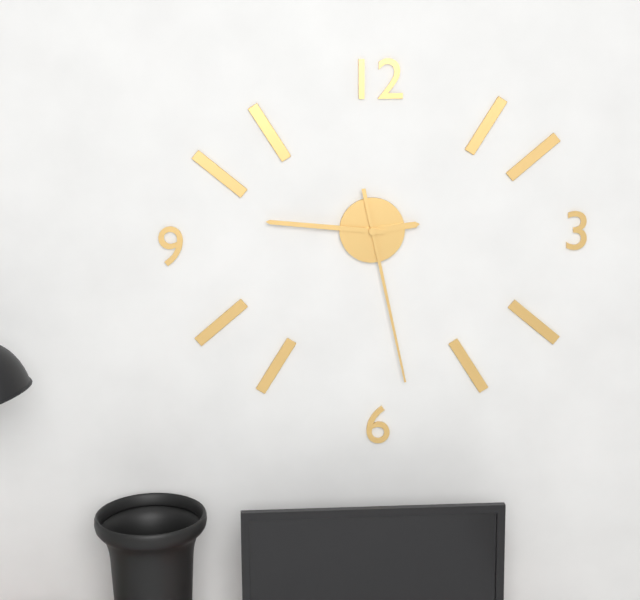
2,46,28
